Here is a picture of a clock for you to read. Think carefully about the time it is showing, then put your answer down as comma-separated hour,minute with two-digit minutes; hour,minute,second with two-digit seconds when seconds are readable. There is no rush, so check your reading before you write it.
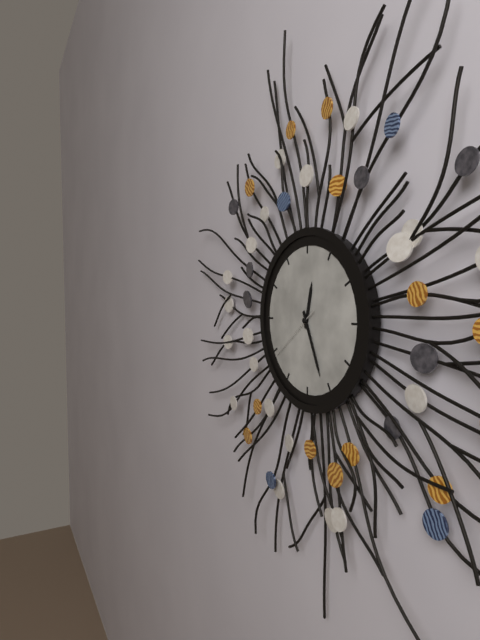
12,26,39
